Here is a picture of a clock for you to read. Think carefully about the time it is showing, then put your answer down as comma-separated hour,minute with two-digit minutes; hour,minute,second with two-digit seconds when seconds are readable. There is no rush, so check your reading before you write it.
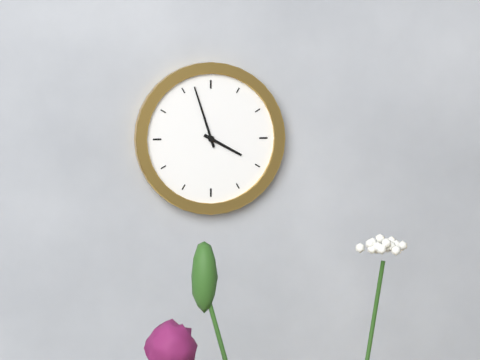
3,57
